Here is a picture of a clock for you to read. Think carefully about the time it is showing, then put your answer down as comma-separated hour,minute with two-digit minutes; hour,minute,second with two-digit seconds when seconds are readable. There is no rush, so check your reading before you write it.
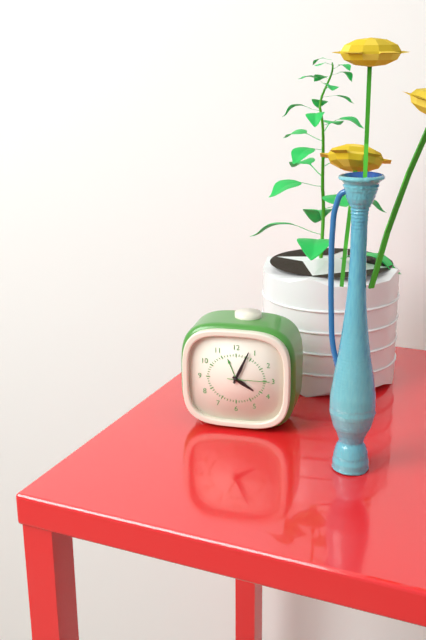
4,04
